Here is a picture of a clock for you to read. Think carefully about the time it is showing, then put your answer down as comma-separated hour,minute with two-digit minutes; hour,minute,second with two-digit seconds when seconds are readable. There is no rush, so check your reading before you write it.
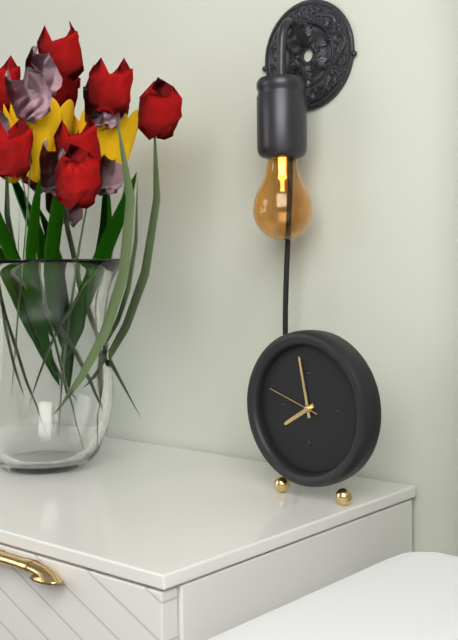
7,58,48
